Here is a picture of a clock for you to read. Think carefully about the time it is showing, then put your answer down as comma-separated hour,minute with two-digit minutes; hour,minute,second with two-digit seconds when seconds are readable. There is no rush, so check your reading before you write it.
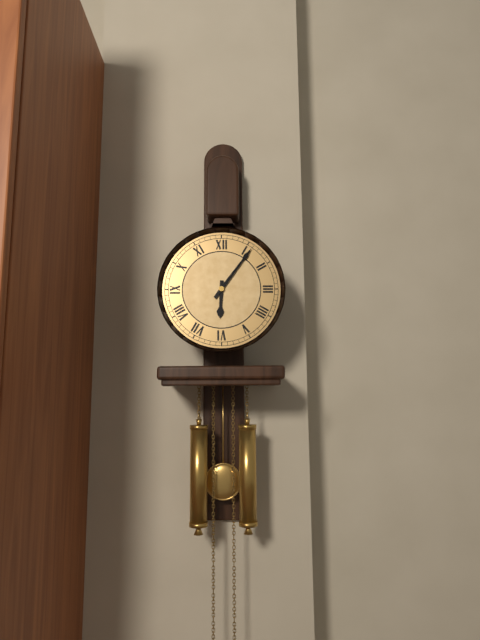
6,06
